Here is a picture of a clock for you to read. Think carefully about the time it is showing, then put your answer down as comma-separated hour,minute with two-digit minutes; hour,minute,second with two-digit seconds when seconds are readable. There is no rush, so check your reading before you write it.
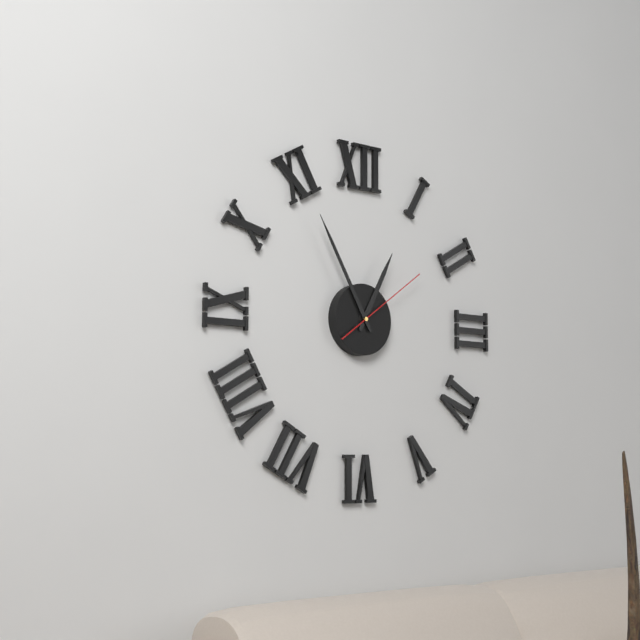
12,55,09
